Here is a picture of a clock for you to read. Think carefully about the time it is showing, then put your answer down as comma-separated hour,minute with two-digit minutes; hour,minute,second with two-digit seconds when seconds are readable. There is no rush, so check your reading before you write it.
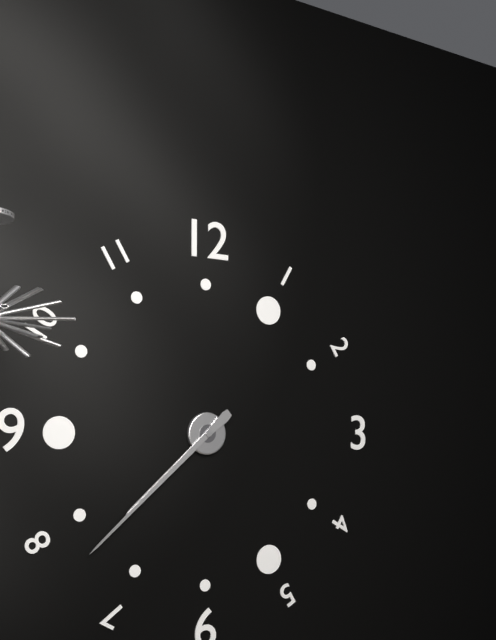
7,38
